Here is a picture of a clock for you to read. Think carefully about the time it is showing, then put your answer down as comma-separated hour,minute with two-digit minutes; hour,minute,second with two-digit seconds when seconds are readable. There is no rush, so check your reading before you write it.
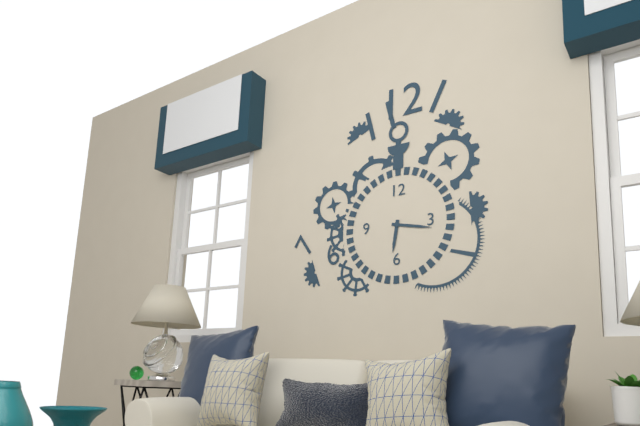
6,17
